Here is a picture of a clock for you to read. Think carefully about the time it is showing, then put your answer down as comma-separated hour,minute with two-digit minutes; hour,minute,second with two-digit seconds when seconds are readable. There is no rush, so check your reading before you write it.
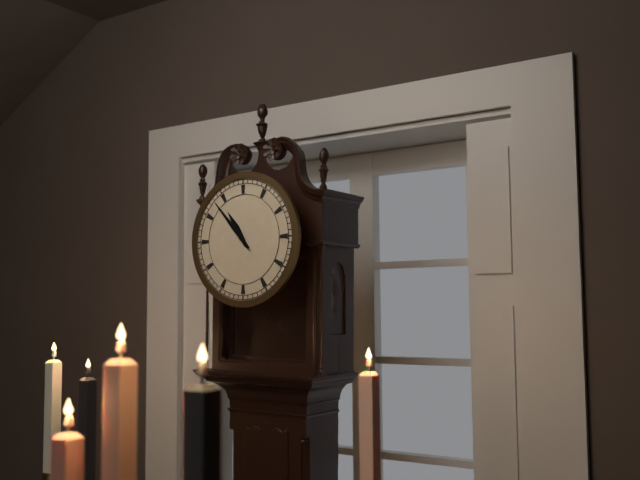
10,53
